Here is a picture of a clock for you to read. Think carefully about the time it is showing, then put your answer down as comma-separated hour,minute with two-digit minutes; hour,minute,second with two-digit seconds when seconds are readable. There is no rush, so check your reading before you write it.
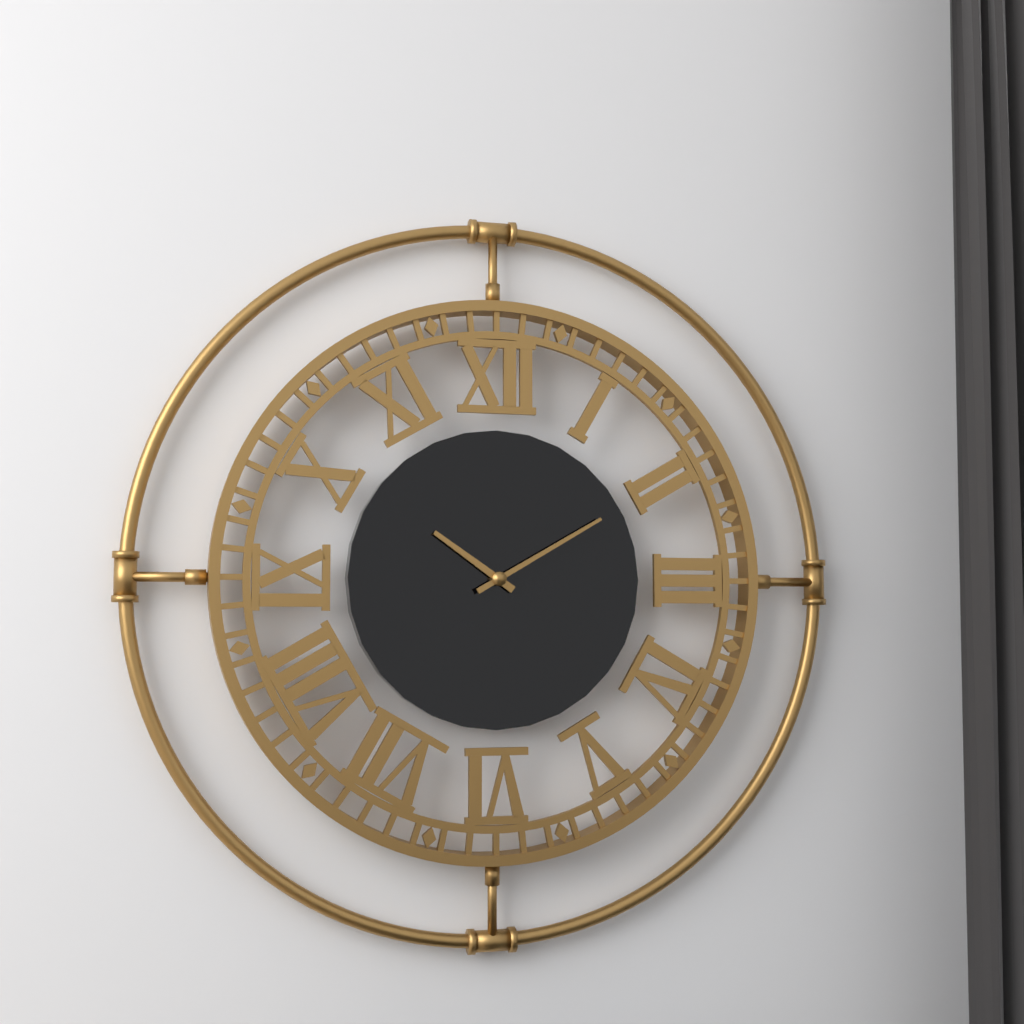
10,10
